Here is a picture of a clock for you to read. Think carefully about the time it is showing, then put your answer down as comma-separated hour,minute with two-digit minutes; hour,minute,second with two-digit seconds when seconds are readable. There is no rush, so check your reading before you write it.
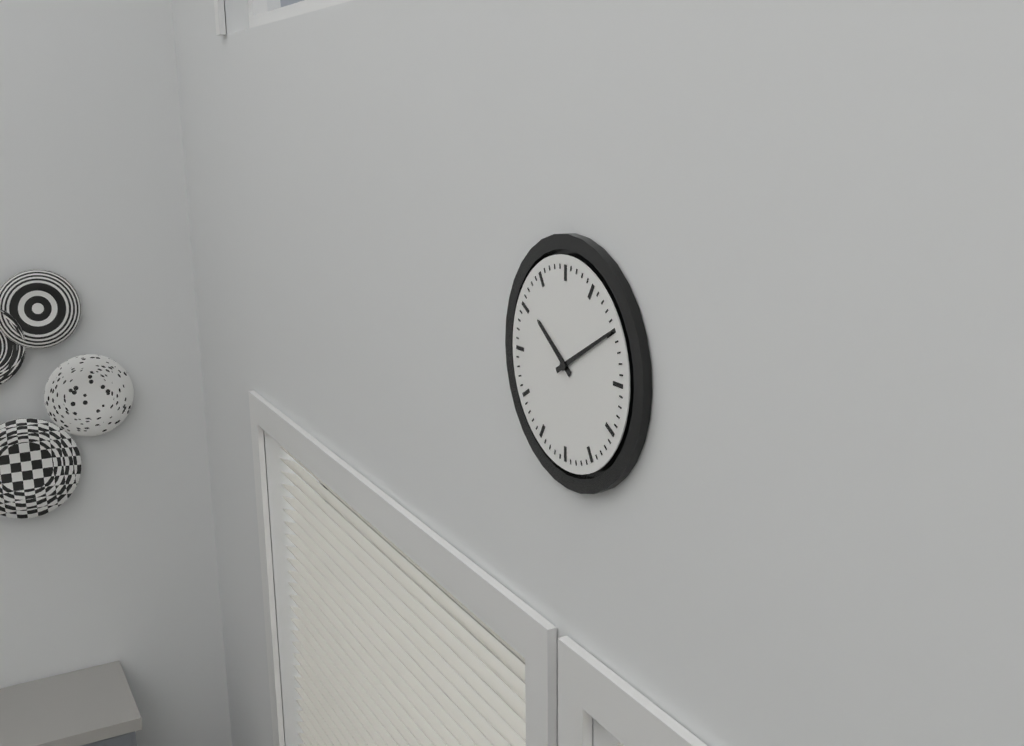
10,10
